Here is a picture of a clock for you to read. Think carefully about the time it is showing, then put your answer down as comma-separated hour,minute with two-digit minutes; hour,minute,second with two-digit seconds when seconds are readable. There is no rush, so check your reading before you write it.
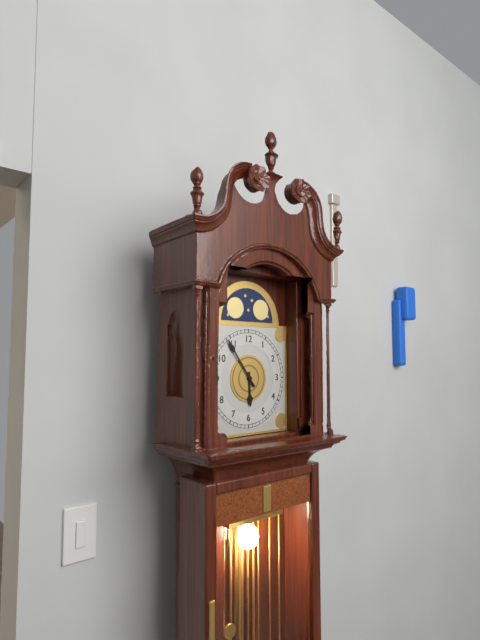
5,54
